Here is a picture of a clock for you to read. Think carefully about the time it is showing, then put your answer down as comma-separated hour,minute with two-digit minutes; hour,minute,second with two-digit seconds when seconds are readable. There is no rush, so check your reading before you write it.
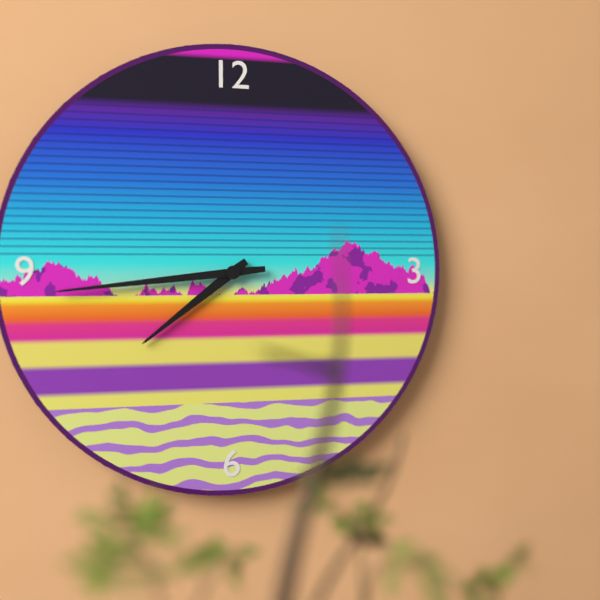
7,44
